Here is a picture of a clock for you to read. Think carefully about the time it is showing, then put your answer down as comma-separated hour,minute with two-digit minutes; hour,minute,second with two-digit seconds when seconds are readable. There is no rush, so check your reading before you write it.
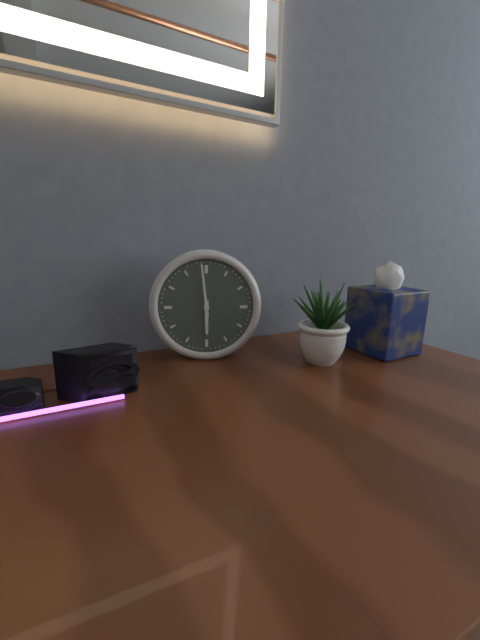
5,59
